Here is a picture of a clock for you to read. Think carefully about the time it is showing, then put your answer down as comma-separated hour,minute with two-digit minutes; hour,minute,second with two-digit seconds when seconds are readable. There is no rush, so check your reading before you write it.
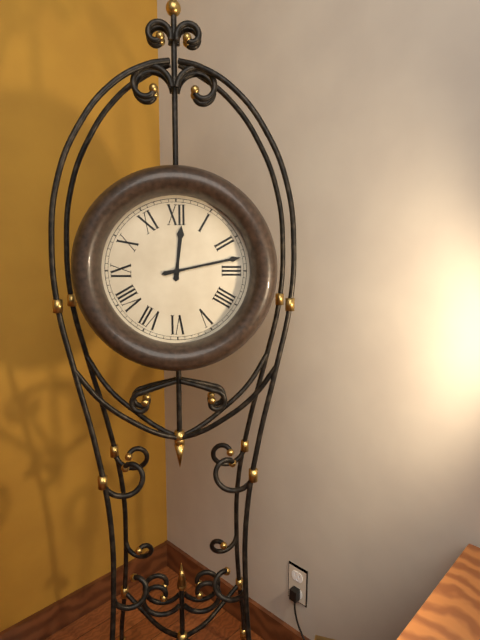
12,13
